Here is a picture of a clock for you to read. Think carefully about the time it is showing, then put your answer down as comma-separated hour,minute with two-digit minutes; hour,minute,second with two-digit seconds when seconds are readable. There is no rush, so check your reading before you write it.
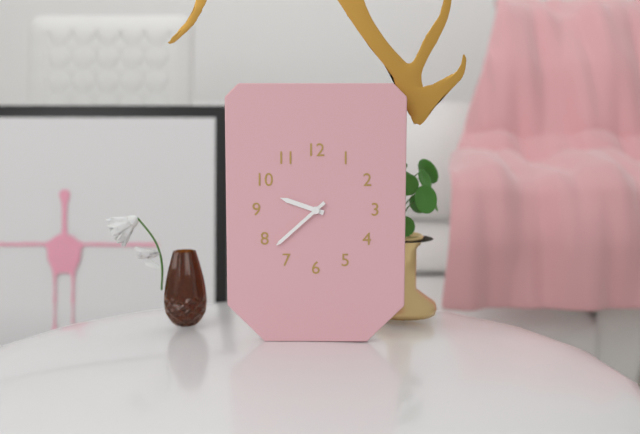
9,38
